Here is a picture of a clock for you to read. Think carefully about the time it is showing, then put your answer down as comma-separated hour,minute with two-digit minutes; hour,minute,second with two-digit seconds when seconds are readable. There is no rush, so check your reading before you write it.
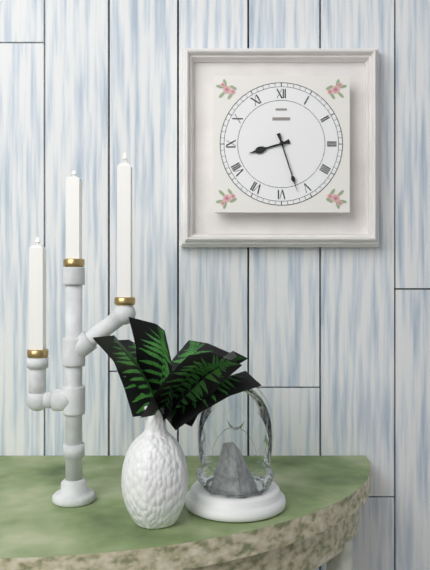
8,27
